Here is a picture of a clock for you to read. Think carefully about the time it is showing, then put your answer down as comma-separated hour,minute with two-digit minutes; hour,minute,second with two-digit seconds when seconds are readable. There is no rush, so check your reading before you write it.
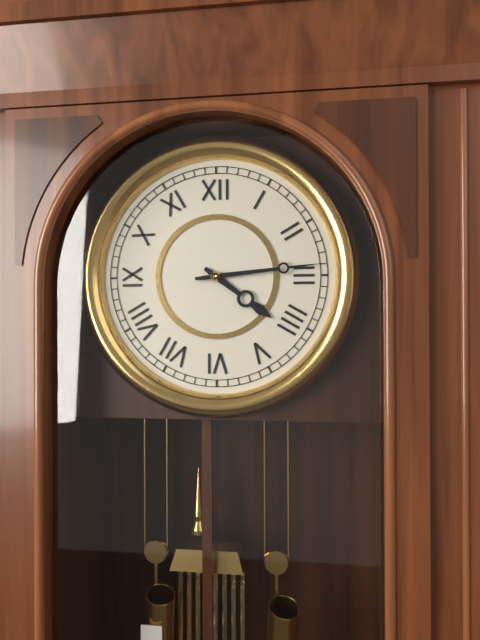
4,14
